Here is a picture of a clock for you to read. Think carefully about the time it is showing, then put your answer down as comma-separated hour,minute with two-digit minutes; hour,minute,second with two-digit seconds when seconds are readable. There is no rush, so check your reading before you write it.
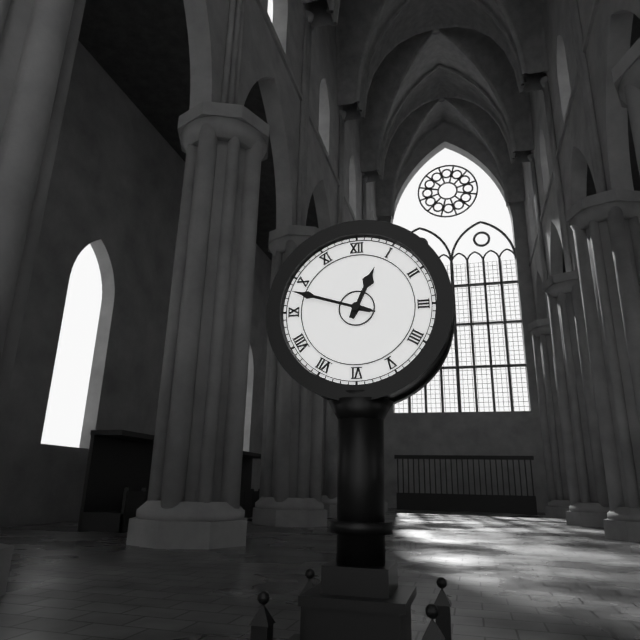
12,48,48
